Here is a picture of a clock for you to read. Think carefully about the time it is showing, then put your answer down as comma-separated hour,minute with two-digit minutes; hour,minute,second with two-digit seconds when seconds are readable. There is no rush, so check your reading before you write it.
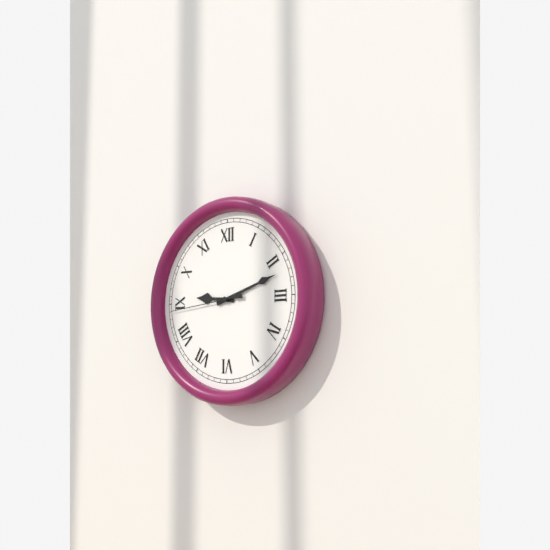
9,12,44
